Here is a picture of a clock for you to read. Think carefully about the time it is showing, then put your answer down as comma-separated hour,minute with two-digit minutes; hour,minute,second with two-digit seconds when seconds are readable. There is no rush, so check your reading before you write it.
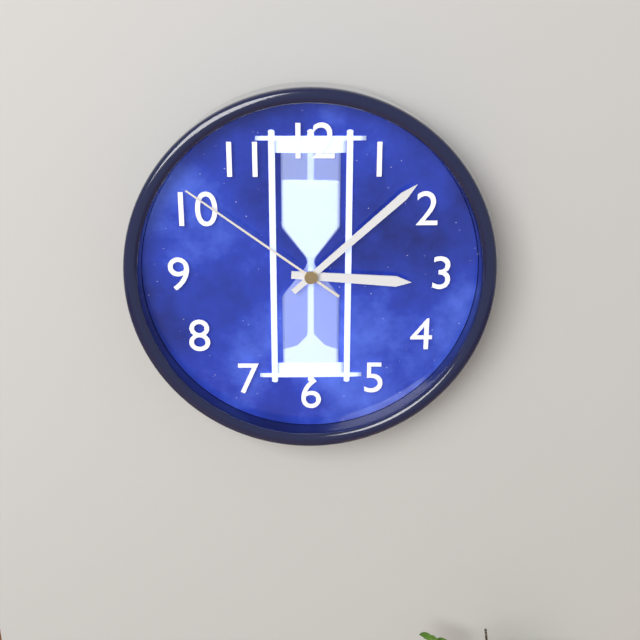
3,08,51
